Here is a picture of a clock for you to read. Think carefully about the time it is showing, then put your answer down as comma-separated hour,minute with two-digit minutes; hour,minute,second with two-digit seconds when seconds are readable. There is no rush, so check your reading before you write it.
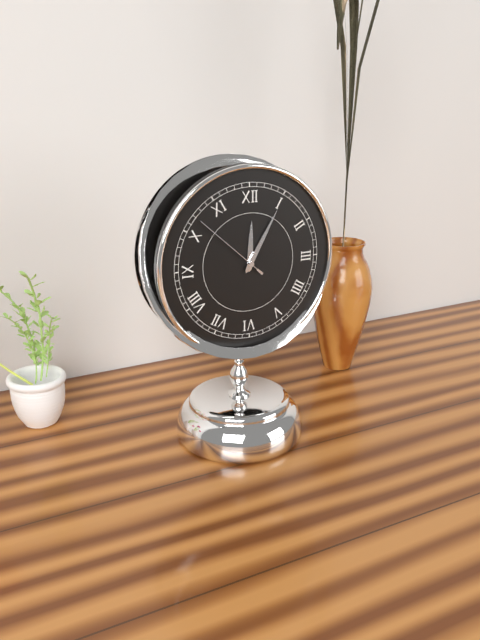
12,05,52
